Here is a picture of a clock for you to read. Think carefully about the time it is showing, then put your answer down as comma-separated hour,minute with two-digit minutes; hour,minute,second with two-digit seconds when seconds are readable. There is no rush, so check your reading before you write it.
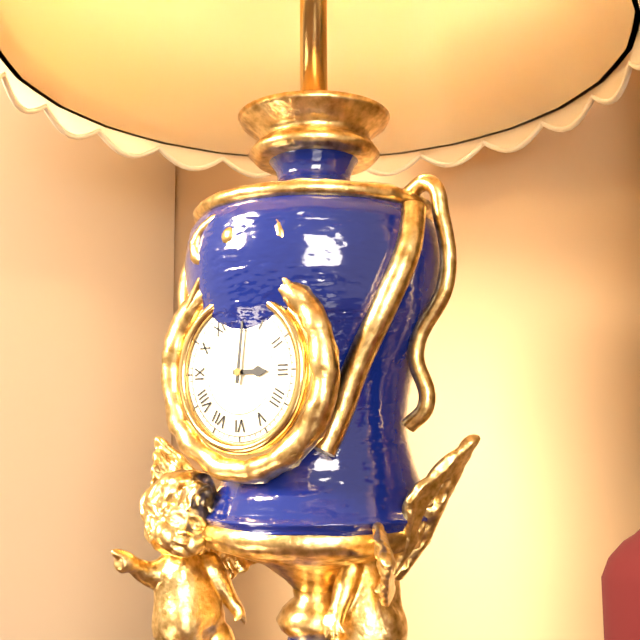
3,01
